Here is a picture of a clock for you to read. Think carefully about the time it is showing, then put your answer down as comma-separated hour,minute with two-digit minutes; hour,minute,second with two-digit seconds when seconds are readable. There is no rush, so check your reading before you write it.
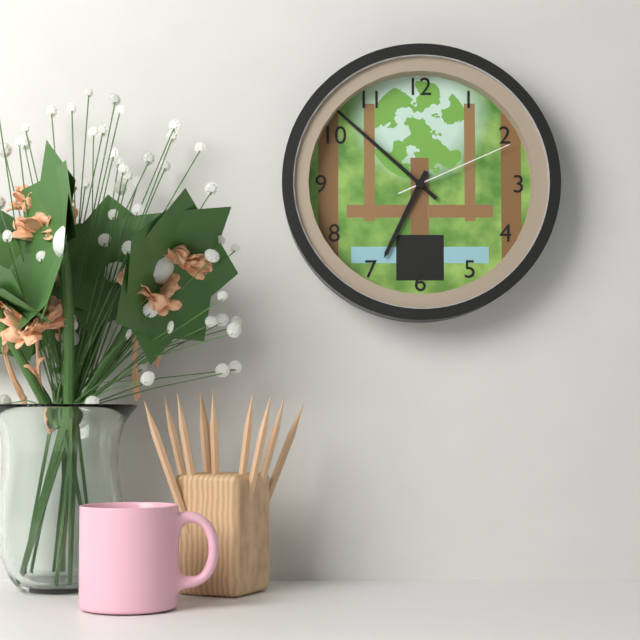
6,52,11
